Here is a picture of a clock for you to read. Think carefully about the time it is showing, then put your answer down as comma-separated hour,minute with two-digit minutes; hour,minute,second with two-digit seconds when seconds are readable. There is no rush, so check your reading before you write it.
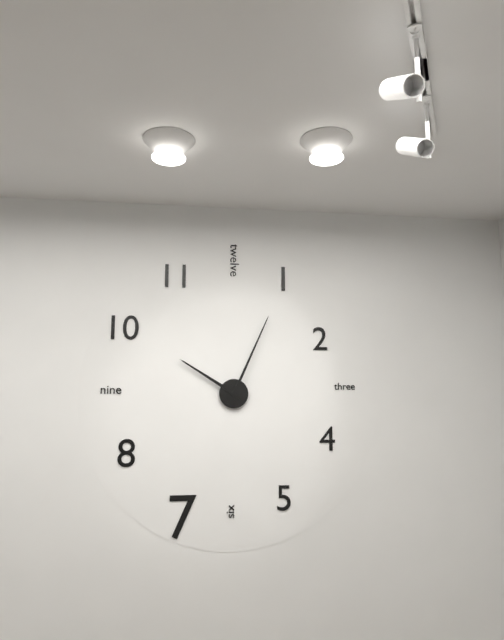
10,04
